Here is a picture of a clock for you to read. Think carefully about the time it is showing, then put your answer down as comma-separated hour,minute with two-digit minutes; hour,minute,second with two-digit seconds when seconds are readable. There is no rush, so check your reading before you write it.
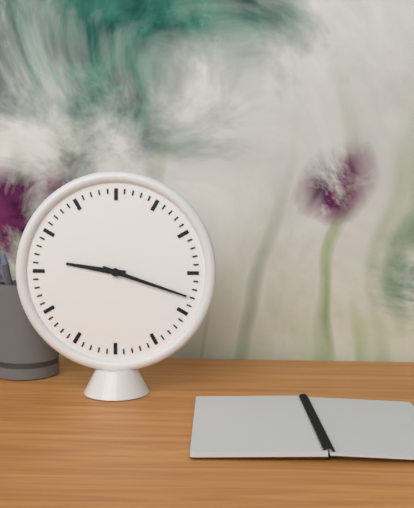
9,18
